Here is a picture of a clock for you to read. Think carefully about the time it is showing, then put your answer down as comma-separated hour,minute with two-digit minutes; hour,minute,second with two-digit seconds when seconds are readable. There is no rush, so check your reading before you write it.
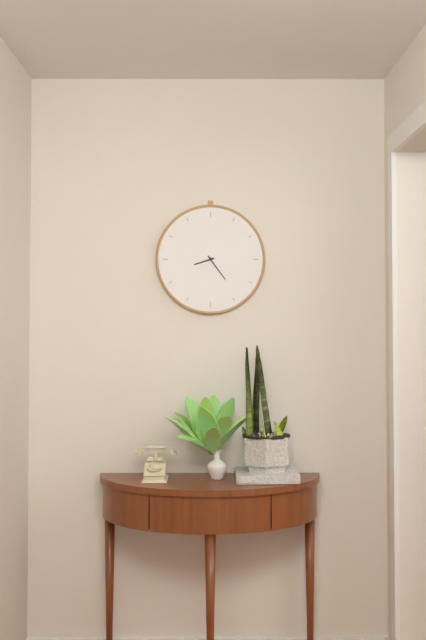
8,24
